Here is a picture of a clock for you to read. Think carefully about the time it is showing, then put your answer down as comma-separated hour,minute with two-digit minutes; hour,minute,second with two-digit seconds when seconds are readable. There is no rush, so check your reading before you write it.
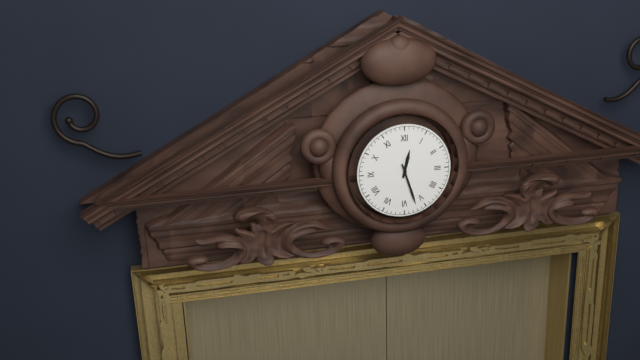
12,27
